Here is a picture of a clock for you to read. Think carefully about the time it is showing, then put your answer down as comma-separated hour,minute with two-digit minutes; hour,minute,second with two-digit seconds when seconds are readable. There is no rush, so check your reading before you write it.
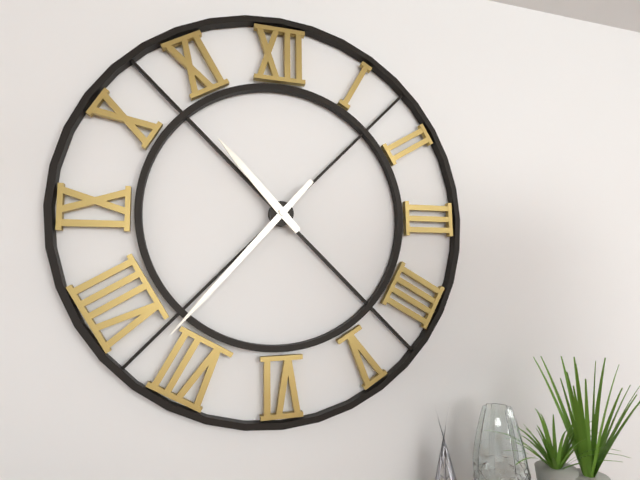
10,37
